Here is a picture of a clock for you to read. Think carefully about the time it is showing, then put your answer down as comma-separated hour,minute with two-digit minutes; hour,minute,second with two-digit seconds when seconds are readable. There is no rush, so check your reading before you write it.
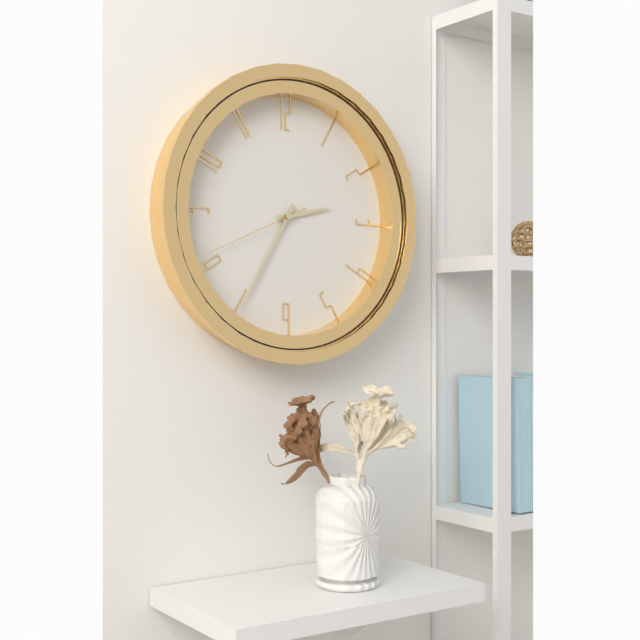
2,35,41
